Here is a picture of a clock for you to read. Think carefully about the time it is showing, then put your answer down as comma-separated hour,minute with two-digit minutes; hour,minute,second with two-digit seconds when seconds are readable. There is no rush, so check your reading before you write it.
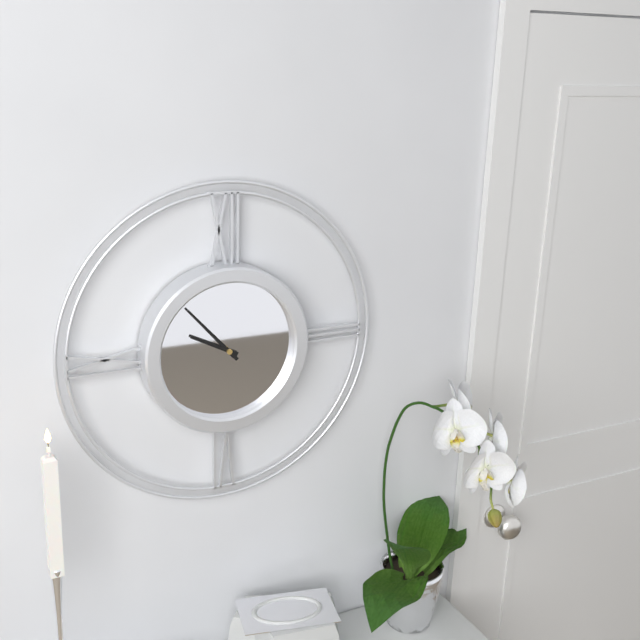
9,53
